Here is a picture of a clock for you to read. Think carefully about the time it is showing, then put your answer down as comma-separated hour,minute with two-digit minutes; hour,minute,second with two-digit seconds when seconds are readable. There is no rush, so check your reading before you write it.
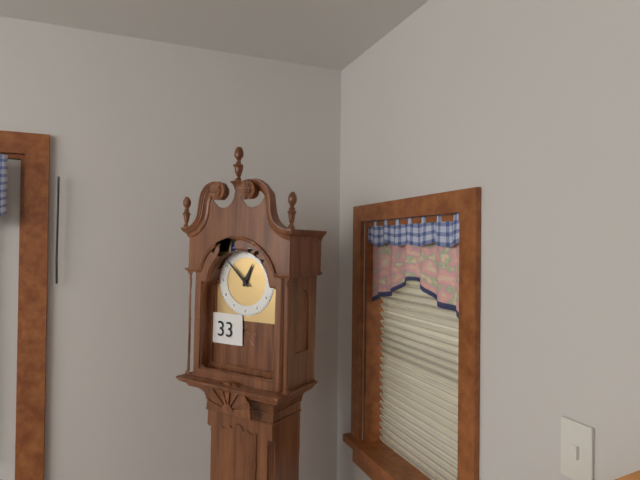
12,52
